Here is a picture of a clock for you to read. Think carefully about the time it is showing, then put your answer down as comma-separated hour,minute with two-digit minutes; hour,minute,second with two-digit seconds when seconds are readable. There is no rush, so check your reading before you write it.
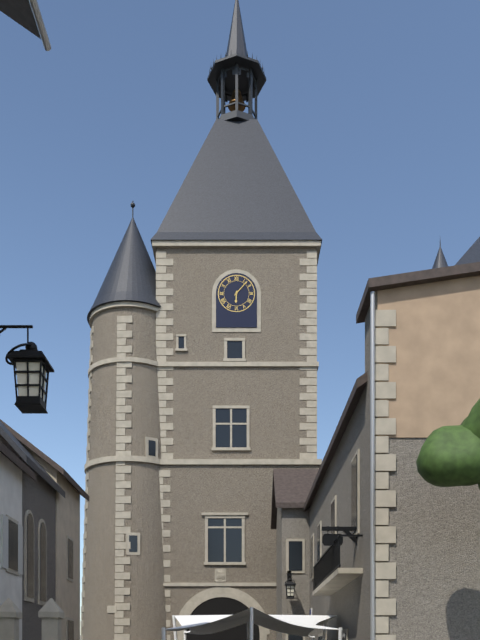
6,07
